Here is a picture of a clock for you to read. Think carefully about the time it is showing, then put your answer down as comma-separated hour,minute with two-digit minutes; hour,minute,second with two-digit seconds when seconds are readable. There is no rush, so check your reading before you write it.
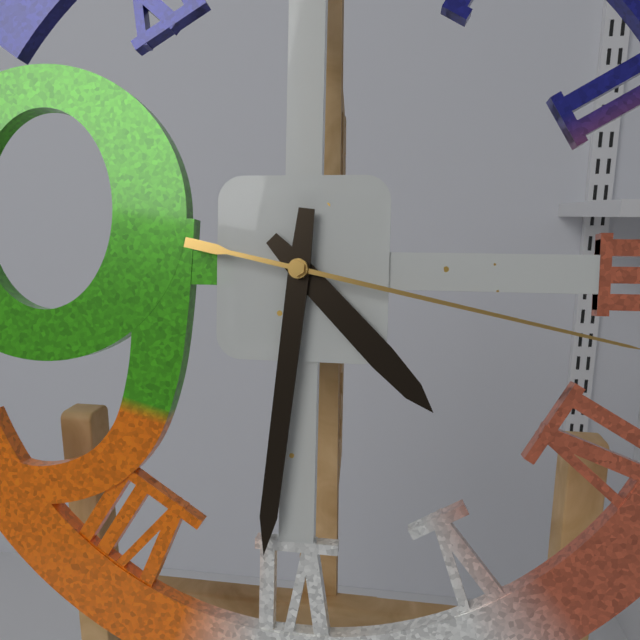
4,31
